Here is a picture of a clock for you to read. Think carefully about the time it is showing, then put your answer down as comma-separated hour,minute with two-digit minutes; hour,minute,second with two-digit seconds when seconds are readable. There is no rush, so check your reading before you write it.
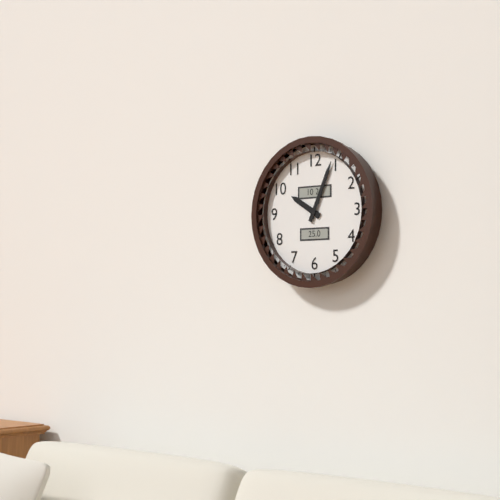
10,04
